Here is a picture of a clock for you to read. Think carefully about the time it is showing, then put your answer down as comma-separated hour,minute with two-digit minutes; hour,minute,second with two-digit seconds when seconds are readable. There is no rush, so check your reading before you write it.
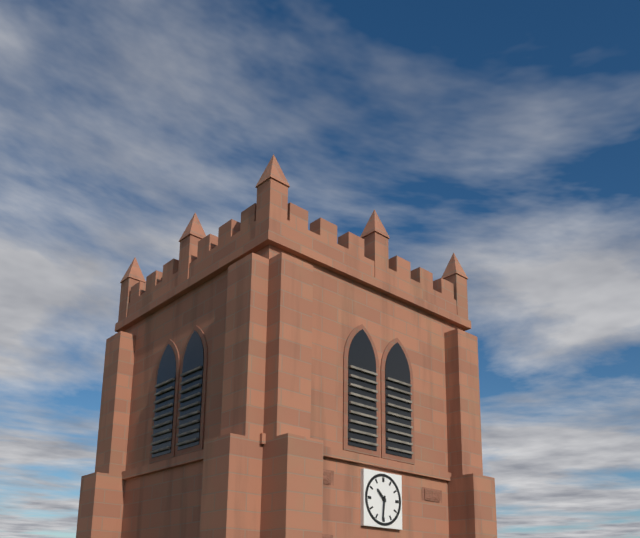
10,31
